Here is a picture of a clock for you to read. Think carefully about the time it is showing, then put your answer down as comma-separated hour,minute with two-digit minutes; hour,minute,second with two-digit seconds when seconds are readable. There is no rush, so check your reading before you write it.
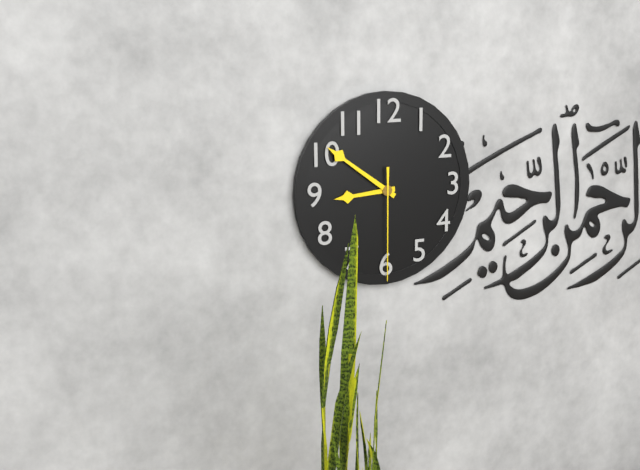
8,51,30
